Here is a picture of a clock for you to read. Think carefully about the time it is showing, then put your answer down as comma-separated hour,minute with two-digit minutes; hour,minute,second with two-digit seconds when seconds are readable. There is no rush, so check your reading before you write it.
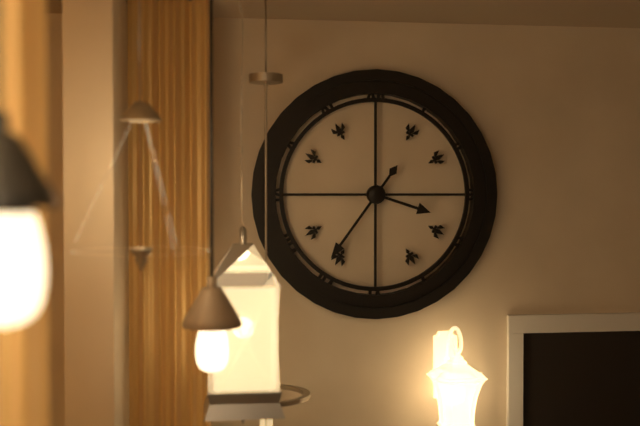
3,36
